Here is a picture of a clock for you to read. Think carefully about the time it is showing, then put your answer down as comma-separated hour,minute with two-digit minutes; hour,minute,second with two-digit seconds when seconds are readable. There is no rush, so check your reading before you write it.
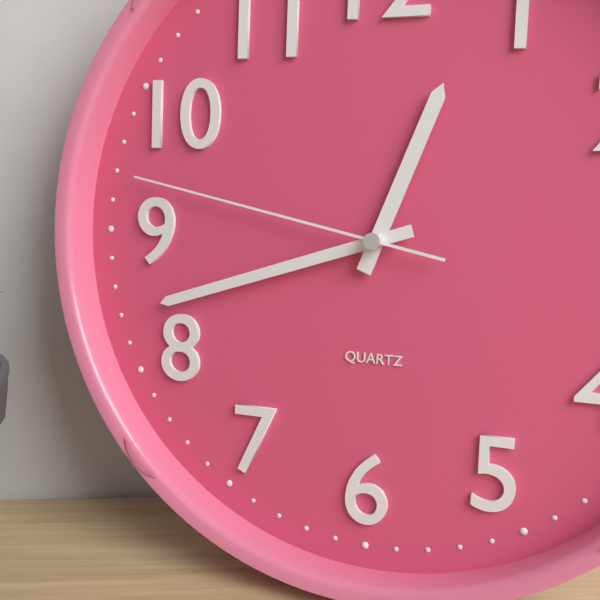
12,42,47
